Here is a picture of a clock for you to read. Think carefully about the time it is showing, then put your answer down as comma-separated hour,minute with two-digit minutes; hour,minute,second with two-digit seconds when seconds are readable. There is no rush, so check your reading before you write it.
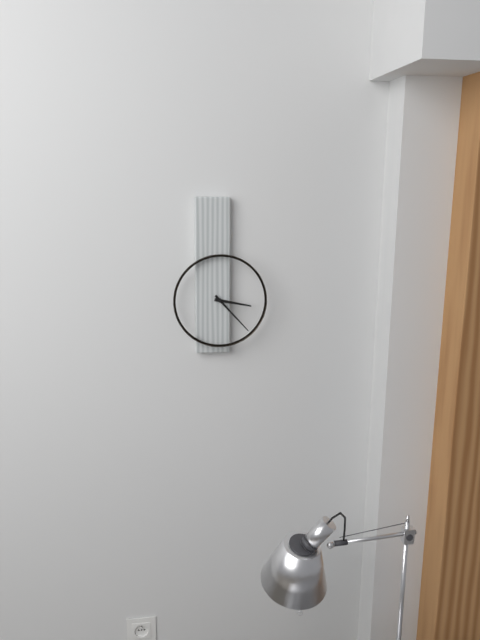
3,23
